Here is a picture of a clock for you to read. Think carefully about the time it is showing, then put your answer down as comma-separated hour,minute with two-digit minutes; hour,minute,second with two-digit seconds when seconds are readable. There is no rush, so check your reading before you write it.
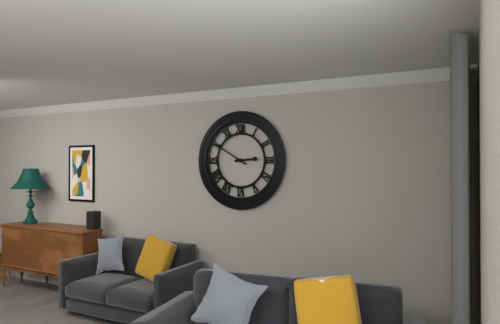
2,50
